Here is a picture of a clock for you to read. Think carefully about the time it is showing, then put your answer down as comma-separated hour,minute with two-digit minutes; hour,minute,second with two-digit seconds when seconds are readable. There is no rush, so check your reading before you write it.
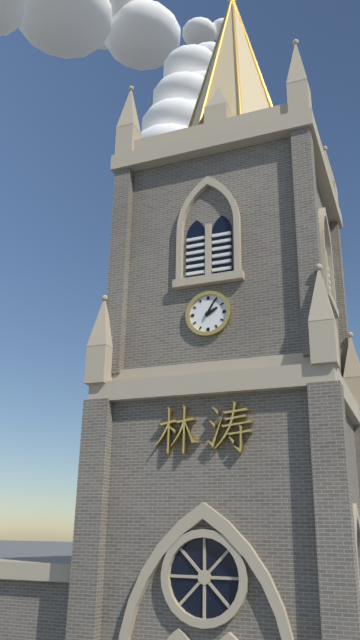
2,05
